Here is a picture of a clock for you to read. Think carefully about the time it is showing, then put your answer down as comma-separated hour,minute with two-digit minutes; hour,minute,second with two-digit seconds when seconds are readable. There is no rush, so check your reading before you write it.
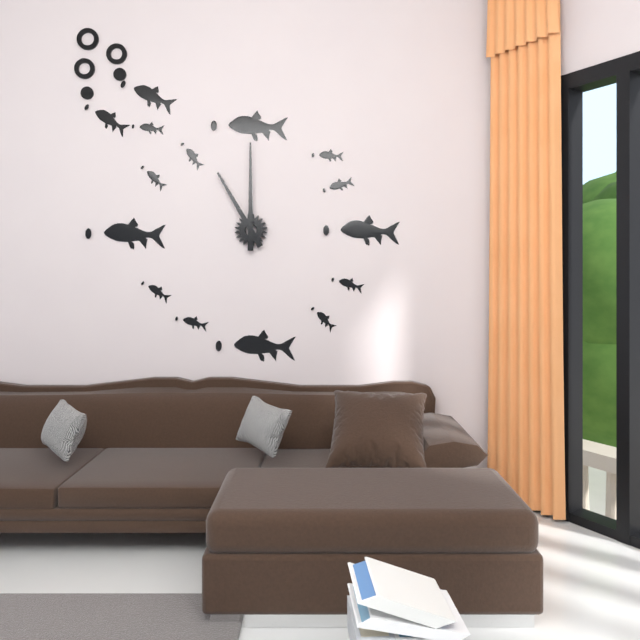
11,00
